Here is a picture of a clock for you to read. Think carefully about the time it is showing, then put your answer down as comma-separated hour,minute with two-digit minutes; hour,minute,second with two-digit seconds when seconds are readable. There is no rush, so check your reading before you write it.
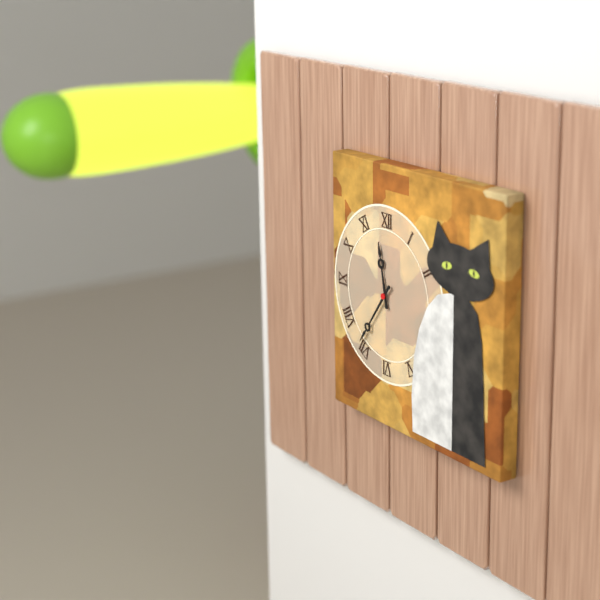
11,36
